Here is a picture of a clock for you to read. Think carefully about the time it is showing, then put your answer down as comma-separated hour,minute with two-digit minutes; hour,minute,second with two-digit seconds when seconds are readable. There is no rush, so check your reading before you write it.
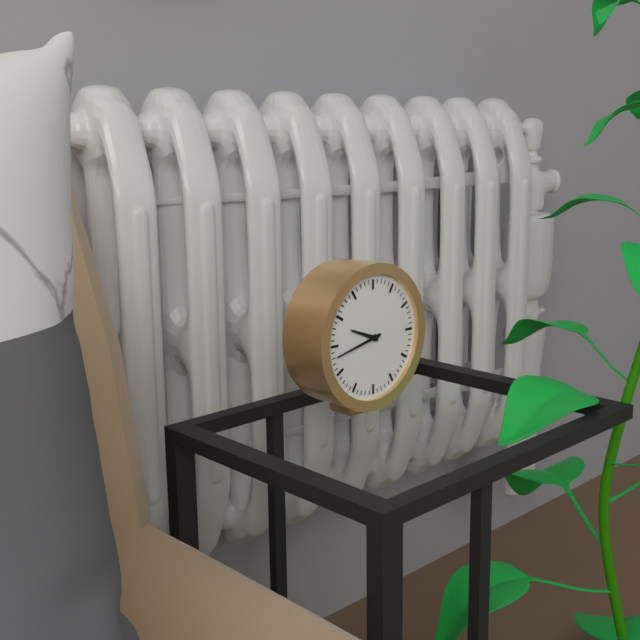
9,43
